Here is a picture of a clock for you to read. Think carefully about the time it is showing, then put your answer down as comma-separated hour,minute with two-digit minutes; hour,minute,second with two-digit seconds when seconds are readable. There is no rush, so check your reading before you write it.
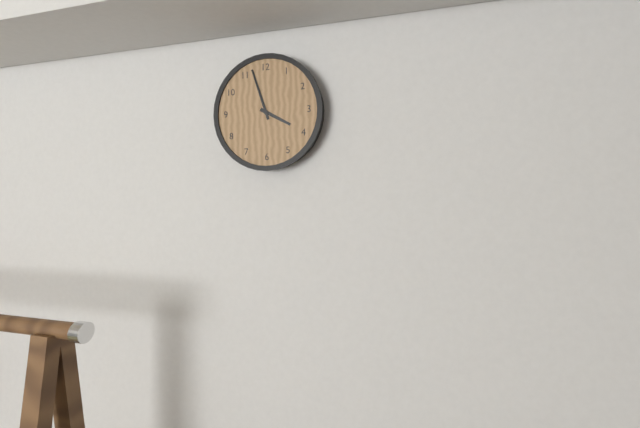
3,57
